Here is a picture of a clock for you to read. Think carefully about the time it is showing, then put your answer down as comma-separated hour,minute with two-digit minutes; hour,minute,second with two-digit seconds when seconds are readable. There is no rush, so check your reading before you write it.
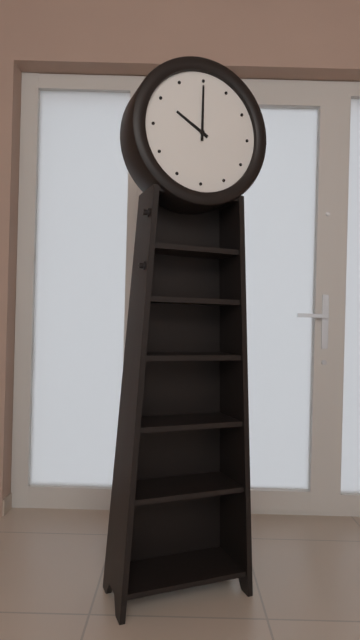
10,00
